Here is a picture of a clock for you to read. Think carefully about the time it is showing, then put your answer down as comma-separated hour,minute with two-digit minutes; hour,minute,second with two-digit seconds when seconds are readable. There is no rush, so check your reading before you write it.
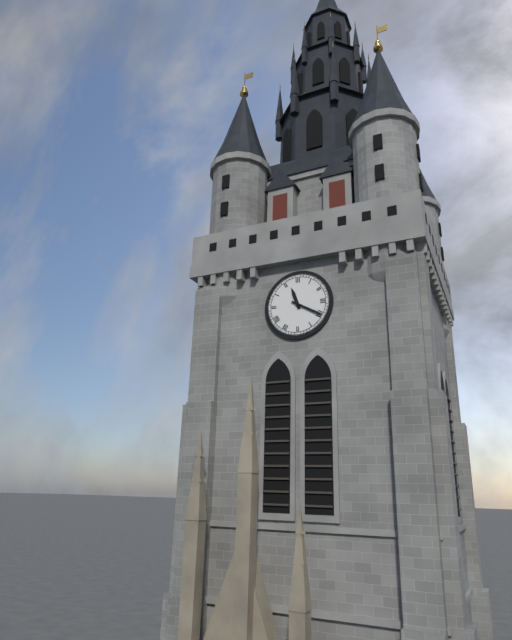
11,20
